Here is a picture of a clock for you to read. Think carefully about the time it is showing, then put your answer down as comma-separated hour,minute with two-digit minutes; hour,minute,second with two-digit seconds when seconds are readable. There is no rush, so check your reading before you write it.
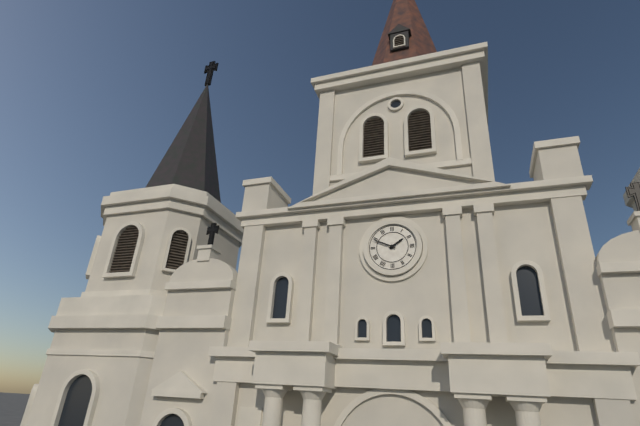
1,49
